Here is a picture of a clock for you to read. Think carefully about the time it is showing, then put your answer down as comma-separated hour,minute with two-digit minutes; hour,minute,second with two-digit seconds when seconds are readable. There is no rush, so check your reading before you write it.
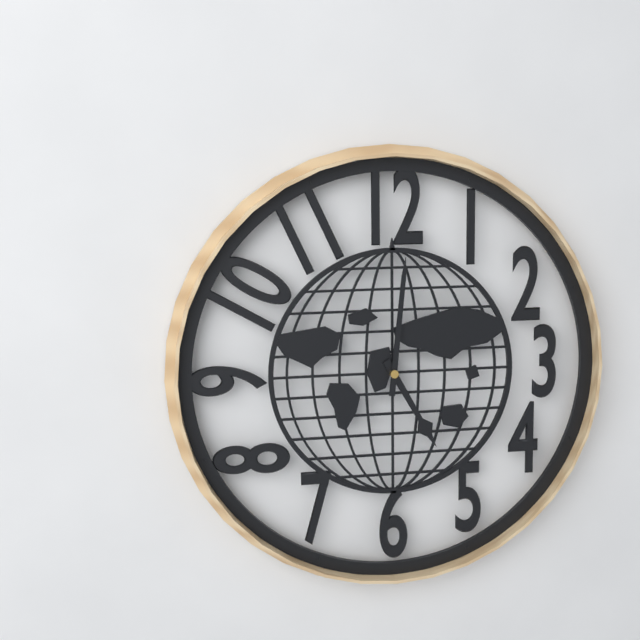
5,01
